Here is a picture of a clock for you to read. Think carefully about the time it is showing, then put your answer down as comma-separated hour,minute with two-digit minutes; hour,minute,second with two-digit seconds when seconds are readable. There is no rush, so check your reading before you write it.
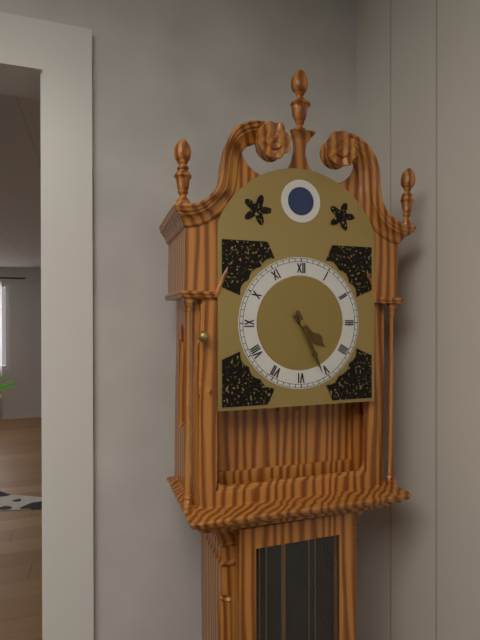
4,26
